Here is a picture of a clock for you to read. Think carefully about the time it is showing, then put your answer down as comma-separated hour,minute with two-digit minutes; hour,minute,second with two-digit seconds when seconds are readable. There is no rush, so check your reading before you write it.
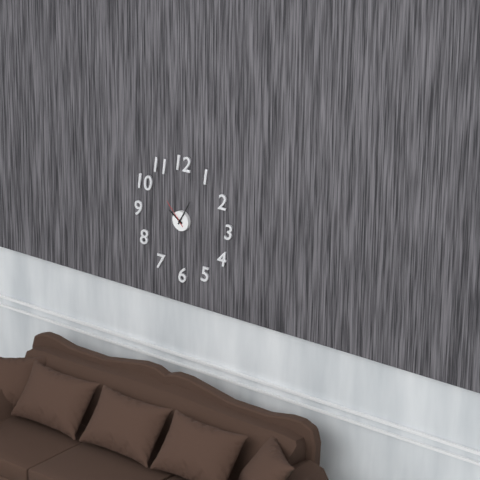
10,05
